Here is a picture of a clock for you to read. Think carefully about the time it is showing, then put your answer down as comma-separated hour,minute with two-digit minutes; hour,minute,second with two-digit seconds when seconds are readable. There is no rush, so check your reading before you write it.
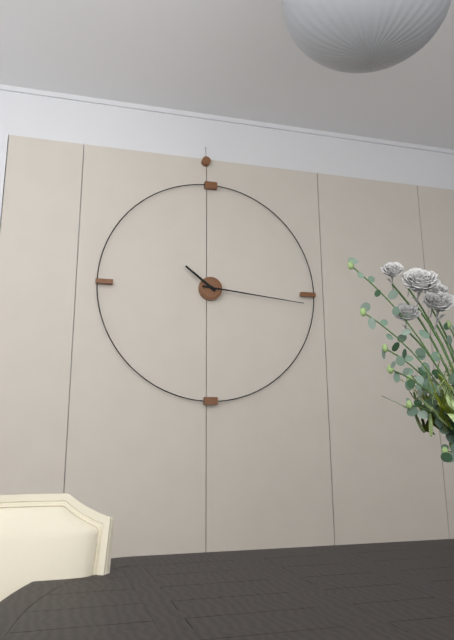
10,16
